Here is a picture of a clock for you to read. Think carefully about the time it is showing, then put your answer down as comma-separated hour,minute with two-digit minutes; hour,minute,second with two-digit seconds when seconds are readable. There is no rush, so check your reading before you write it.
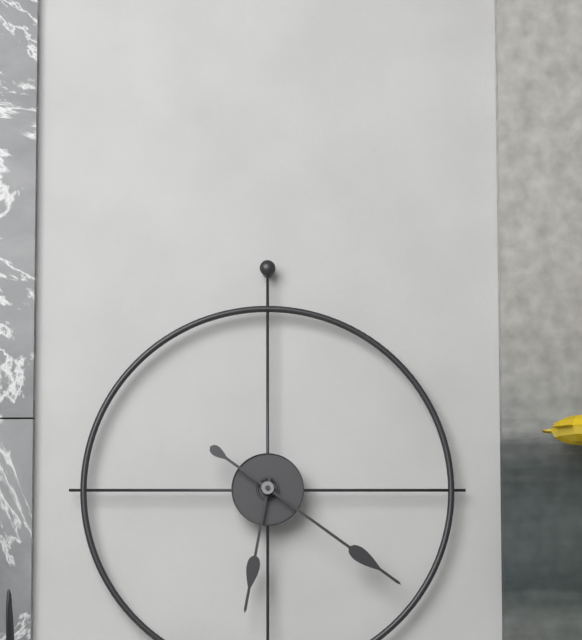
6,21
